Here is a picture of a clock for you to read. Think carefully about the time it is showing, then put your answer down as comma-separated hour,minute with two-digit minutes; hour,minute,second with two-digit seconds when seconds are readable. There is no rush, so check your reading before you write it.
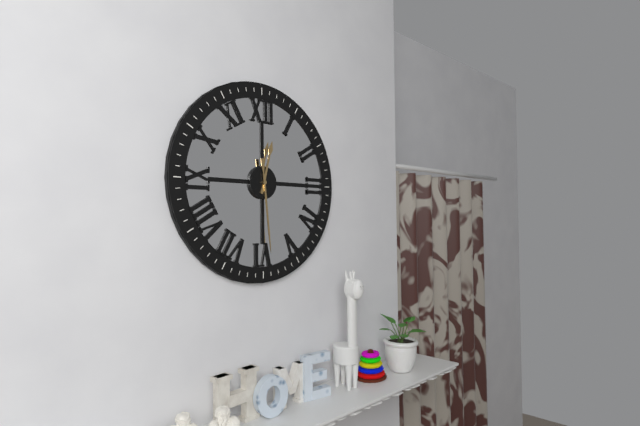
12,29
